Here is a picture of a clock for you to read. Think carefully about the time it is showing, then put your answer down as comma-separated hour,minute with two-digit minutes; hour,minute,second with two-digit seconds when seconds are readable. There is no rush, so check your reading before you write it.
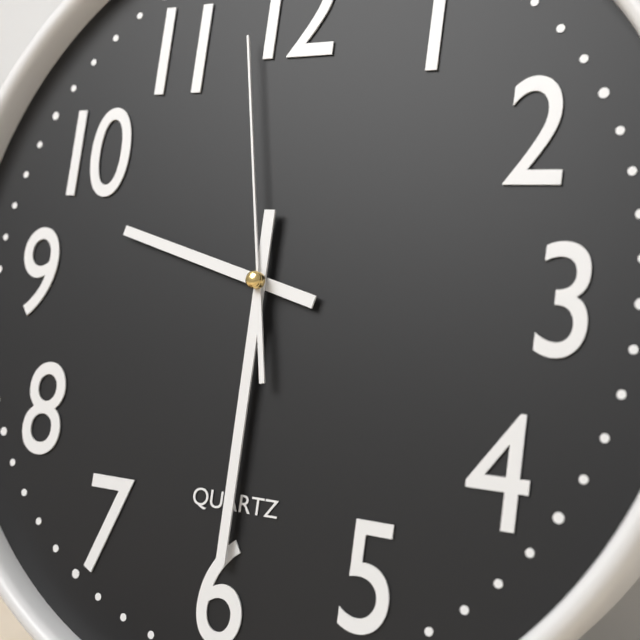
9,30,58
